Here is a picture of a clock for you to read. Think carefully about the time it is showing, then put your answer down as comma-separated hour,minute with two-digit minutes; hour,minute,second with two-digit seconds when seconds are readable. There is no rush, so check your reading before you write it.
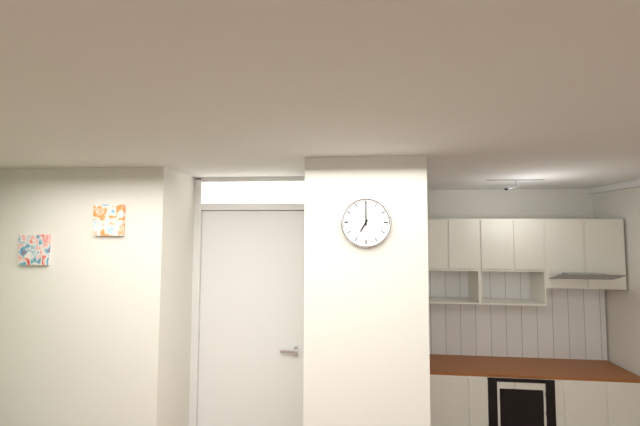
7,00
